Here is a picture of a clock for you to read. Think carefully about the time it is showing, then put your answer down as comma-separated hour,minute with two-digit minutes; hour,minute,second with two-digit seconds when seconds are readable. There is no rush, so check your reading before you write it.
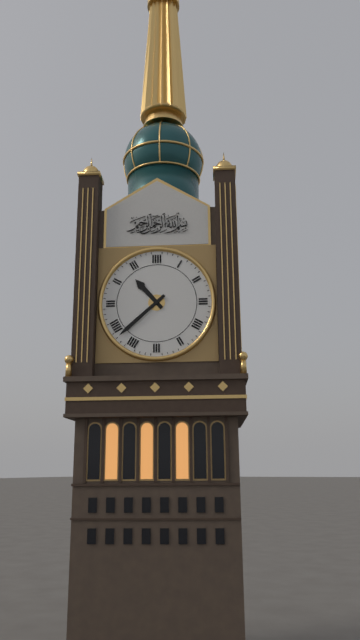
10,38
